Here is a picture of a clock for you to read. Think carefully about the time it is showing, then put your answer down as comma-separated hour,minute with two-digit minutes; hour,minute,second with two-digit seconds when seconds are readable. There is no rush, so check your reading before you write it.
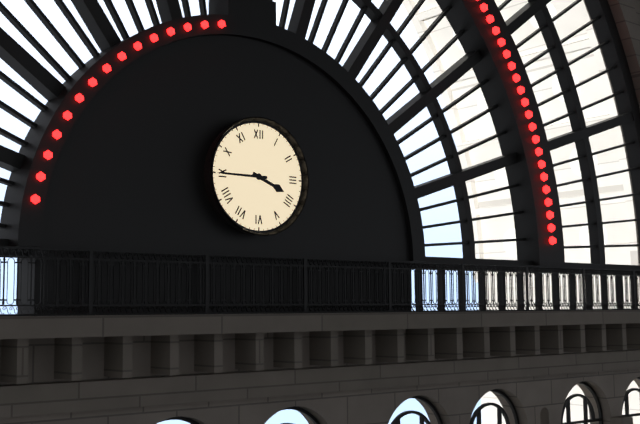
3,45
